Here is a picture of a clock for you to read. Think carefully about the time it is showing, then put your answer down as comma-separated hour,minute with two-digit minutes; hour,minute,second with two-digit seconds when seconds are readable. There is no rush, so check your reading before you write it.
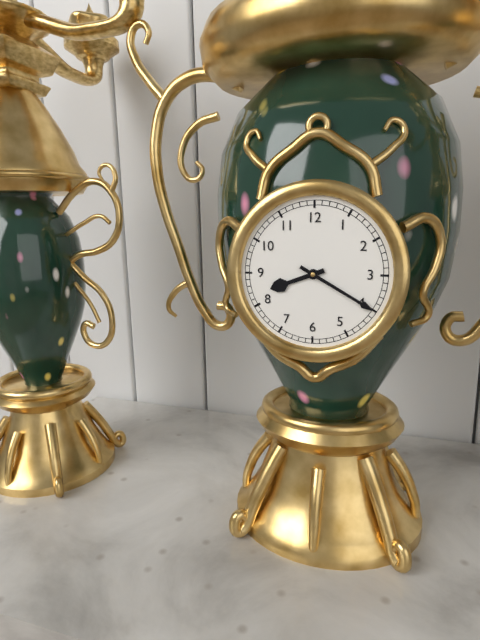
8,20
